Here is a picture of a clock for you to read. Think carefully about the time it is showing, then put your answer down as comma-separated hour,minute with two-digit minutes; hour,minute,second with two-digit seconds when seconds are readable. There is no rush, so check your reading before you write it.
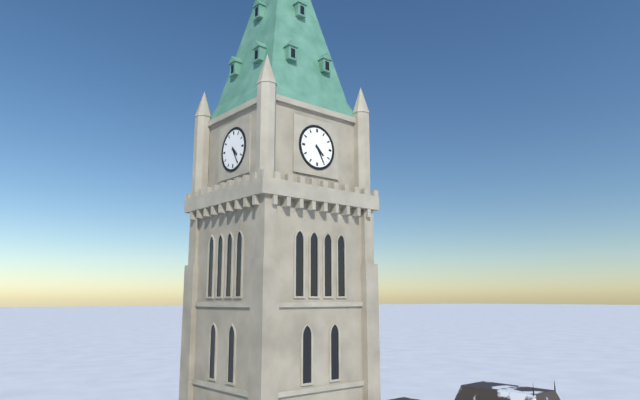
4,25
